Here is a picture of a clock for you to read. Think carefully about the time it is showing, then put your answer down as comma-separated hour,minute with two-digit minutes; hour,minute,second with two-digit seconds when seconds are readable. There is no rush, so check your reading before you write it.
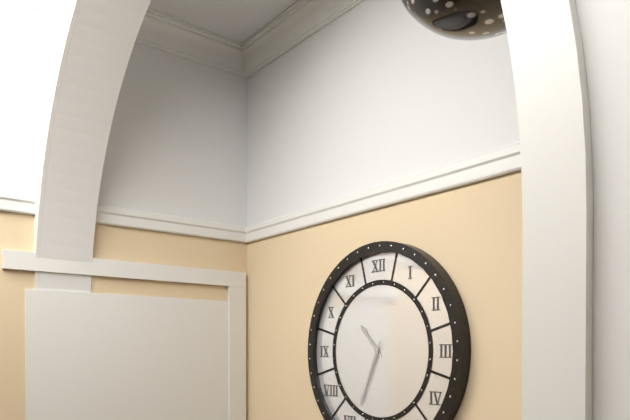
10,34
